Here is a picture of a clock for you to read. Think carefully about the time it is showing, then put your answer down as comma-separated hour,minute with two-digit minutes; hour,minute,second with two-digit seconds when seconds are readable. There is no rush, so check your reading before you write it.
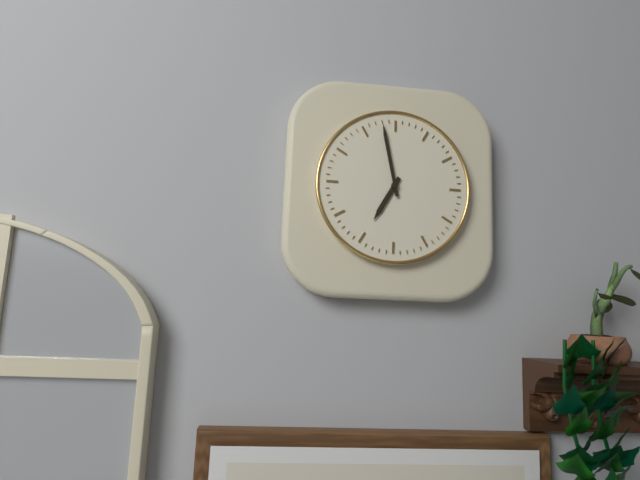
6,58
